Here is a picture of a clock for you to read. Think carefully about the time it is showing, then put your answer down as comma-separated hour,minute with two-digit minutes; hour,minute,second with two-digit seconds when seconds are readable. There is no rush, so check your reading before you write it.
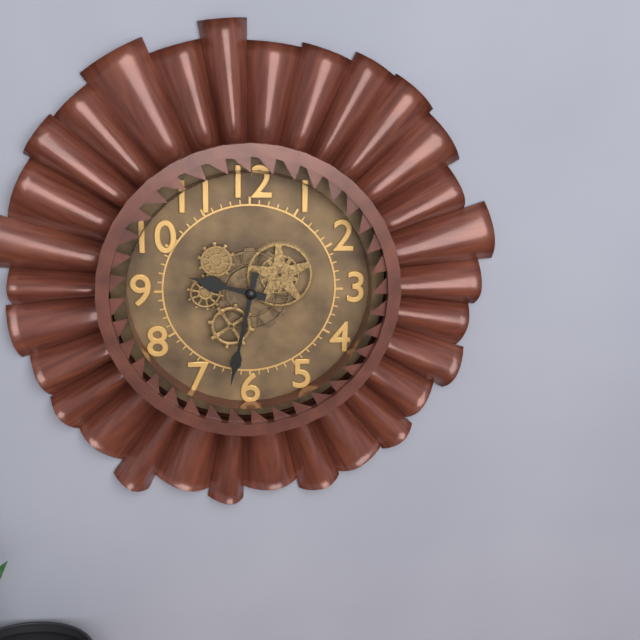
9,32
